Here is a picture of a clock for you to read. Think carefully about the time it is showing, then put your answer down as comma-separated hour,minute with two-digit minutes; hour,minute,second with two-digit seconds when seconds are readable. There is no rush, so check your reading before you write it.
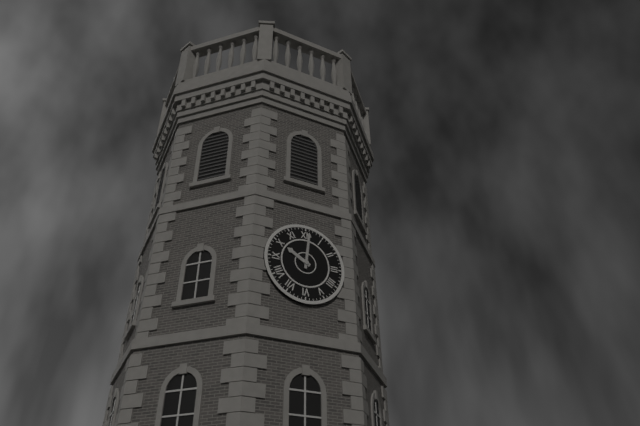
10,01
